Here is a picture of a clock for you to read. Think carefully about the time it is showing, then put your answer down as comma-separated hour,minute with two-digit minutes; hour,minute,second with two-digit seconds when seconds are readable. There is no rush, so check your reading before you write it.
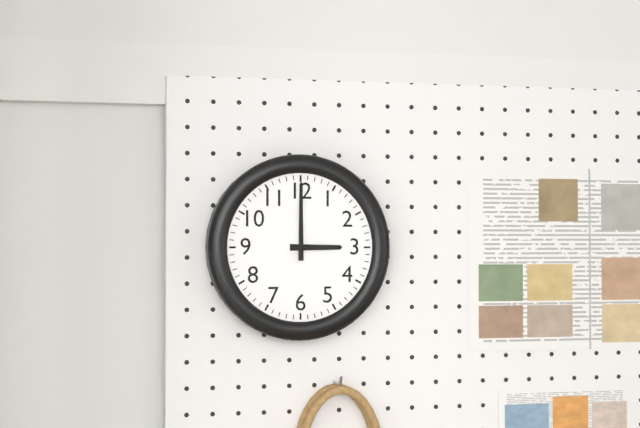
3,00
